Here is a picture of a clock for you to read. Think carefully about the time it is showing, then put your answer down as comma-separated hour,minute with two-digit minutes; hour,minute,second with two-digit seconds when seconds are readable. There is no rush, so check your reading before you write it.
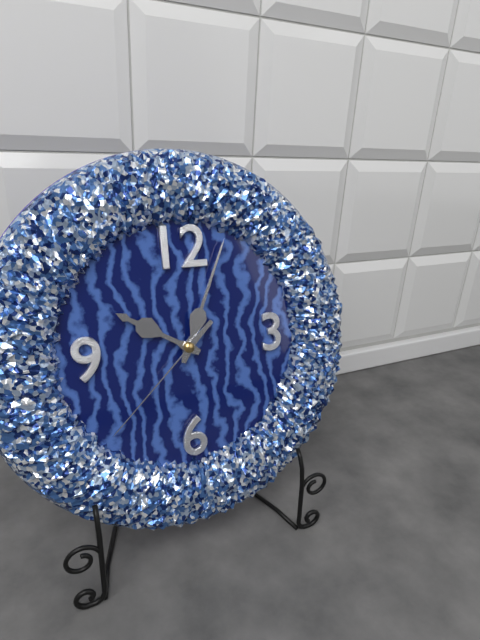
10,04,38
